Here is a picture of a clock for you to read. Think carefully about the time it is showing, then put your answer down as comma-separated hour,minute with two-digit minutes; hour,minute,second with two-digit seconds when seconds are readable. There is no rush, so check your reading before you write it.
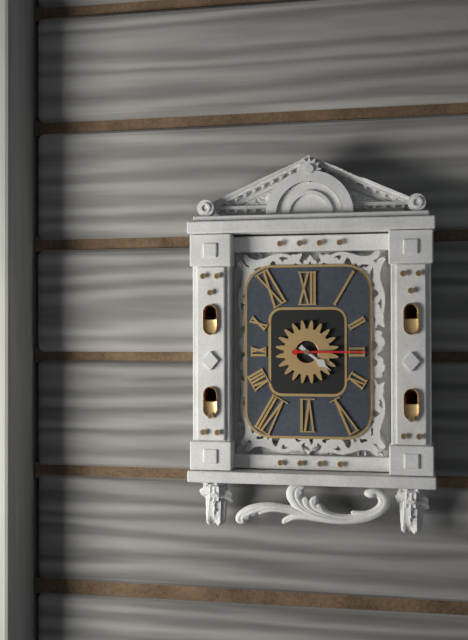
4,15
